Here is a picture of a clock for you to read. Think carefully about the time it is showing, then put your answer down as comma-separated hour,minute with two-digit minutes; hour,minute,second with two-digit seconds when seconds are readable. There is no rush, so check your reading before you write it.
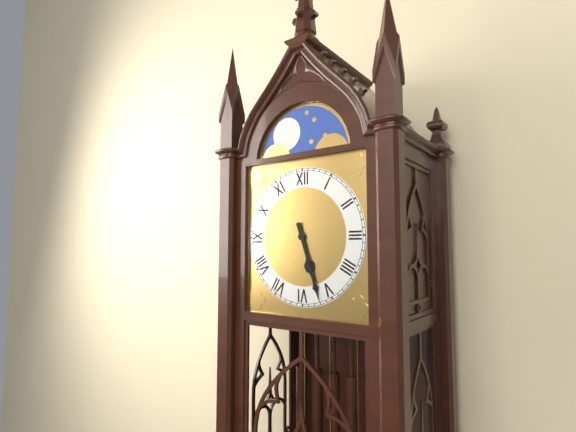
5,27
